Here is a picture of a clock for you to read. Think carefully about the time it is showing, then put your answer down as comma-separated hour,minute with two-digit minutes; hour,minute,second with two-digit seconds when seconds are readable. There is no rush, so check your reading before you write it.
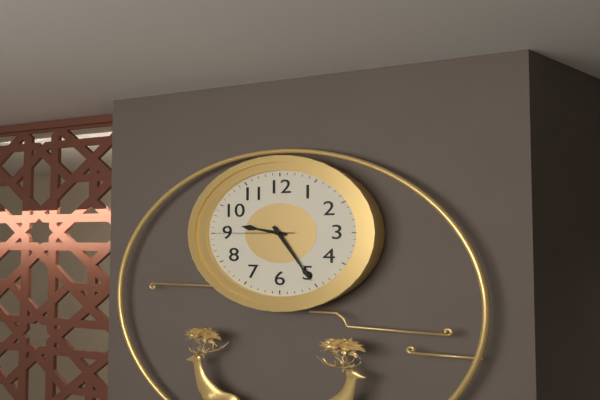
9,25,45
